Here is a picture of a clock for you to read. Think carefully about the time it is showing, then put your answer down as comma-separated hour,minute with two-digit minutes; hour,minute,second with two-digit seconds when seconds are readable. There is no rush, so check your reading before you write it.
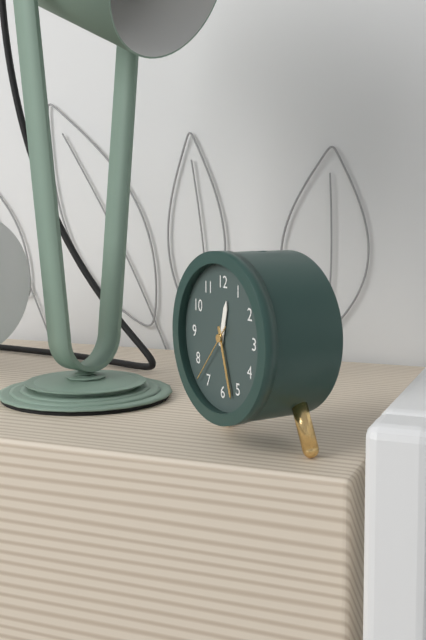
12,27,37
